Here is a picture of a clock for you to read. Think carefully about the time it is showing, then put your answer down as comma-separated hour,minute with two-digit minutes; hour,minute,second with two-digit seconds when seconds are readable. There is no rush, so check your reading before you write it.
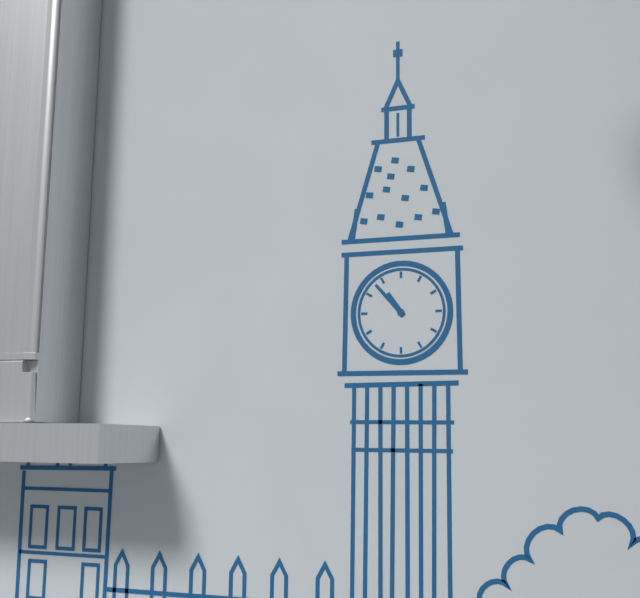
10,53
